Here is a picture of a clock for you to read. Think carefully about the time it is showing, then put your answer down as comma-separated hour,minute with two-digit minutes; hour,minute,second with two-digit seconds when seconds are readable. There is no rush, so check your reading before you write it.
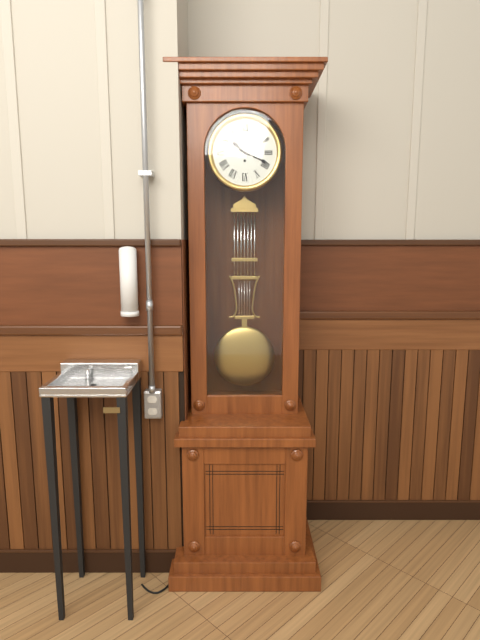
10,19
